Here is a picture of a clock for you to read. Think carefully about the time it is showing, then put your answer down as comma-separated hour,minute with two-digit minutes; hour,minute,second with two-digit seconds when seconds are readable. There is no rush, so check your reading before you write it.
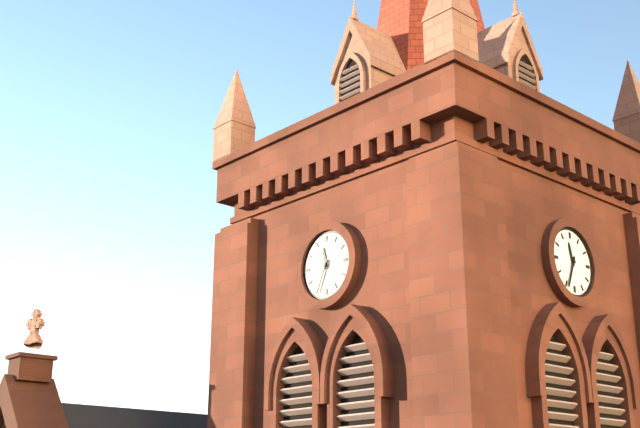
11,34
